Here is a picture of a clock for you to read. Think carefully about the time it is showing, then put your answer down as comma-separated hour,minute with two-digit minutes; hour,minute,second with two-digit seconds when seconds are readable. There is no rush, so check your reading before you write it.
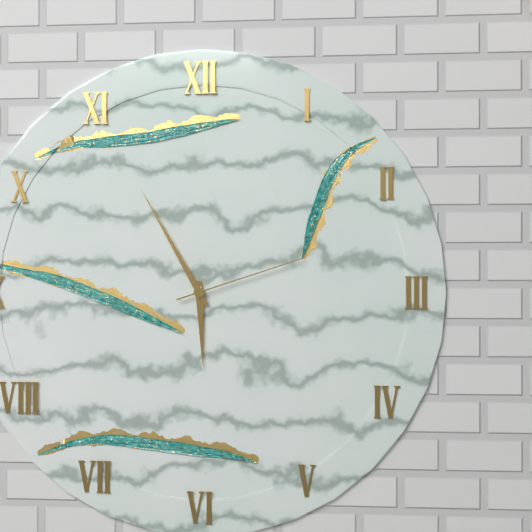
5,55,12
